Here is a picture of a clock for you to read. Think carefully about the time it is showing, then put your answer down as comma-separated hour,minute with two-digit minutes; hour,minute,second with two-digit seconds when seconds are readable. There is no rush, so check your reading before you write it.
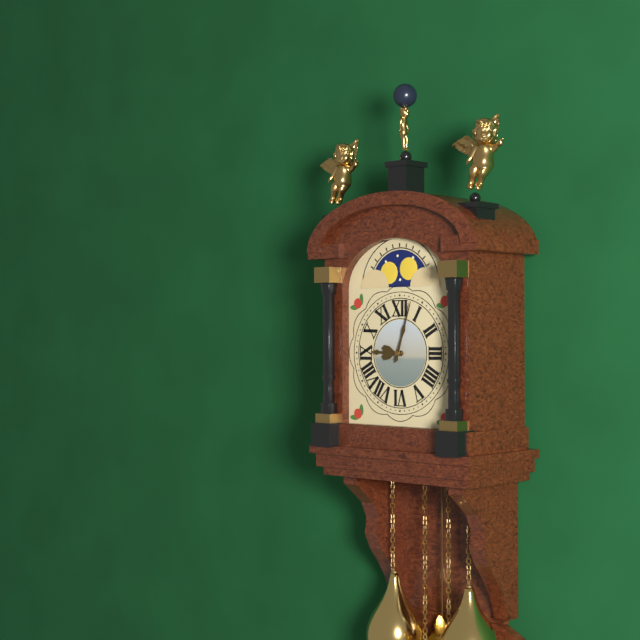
9,03
